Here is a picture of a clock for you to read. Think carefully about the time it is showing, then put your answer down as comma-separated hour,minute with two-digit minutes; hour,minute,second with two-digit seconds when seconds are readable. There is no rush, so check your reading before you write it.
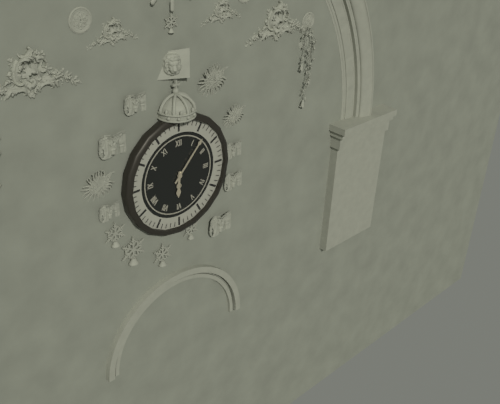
6,07
